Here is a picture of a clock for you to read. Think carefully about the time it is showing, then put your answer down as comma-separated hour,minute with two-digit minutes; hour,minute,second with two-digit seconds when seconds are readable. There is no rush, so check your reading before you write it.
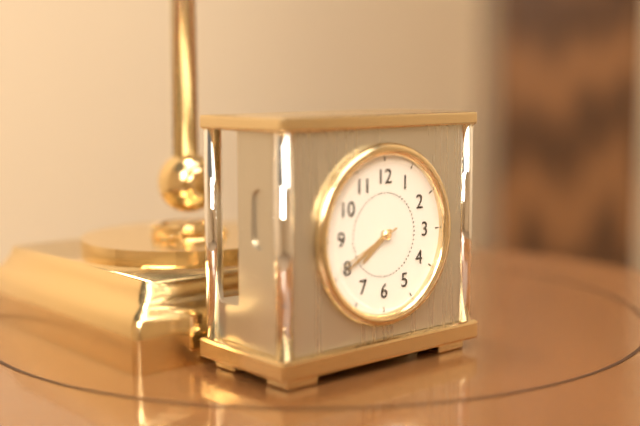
7,40,41
